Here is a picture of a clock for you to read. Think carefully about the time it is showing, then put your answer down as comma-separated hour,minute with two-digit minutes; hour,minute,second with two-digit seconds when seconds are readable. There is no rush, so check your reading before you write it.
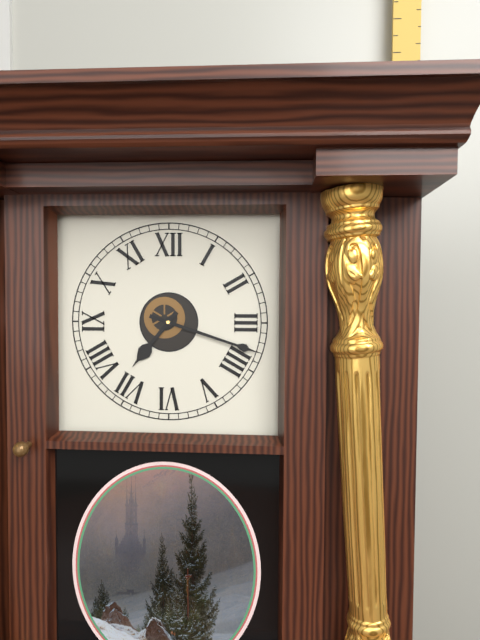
7,18
